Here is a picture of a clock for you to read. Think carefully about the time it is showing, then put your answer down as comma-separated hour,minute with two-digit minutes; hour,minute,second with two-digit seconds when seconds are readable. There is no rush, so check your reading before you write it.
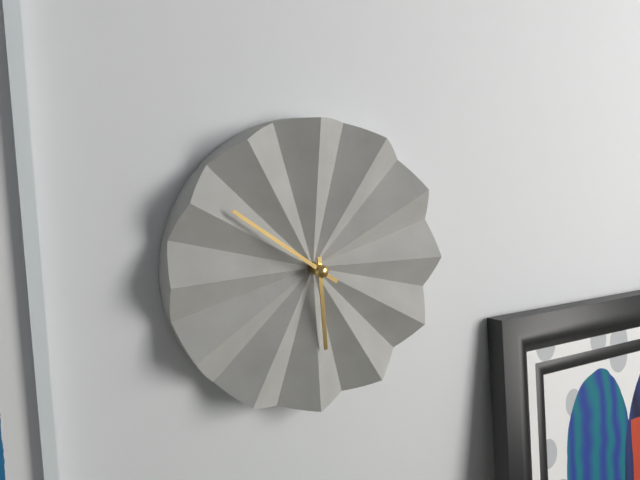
5,51
